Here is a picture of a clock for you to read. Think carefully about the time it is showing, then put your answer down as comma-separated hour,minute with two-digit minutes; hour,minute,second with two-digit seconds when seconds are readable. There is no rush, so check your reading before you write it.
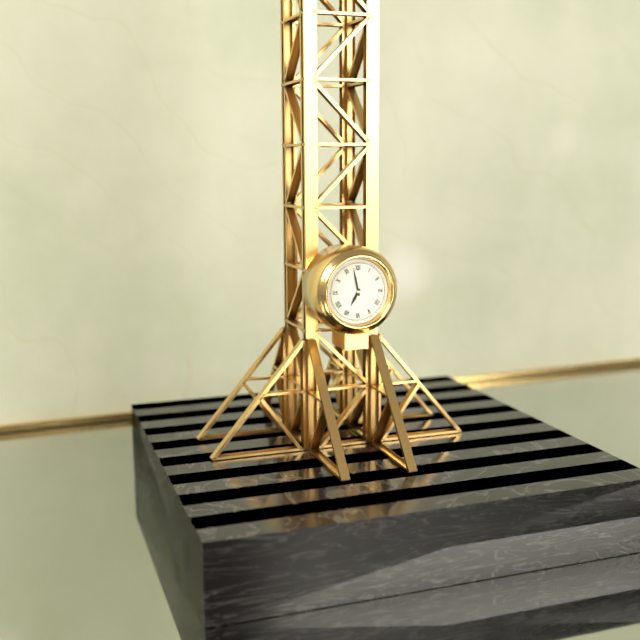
6,58
